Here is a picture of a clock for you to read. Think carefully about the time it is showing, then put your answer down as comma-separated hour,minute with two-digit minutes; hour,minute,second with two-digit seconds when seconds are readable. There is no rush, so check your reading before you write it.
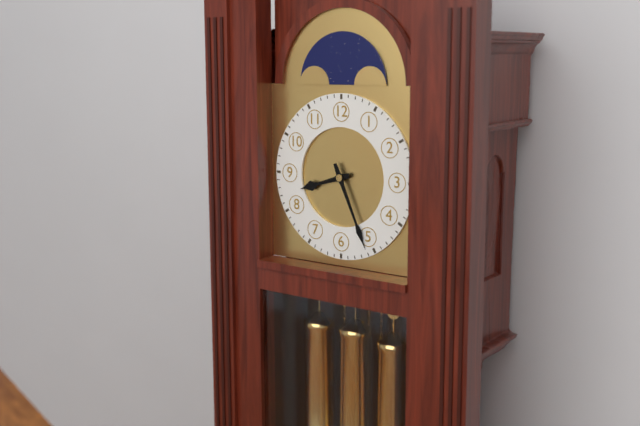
8,26
